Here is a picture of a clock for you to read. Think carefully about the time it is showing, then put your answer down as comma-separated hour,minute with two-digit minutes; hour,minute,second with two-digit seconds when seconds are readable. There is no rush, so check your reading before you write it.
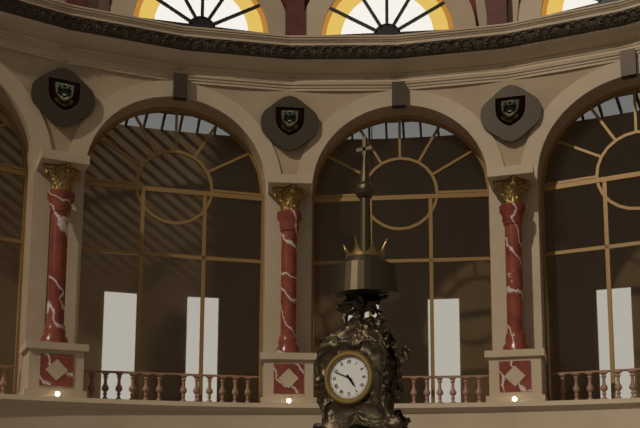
4,49
